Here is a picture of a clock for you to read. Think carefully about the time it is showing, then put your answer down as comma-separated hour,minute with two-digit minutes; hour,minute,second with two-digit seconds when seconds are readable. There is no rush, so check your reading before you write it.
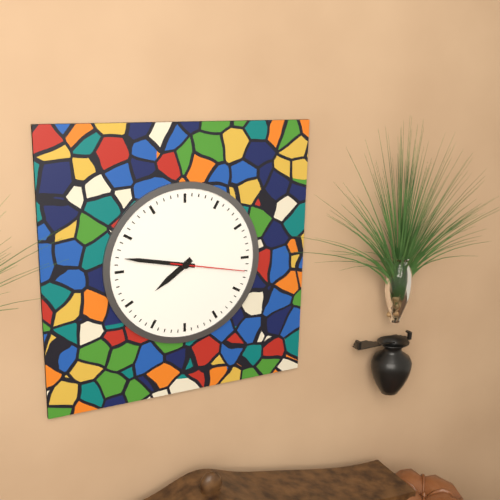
7,47,17
